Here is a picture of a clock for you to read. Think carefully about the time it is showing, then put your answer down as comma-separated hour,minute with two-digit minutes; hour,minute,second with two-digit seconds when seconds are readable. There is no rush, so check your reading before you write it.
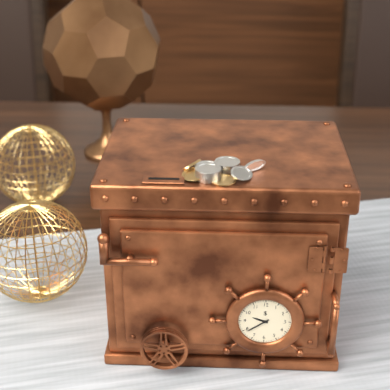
9,39
